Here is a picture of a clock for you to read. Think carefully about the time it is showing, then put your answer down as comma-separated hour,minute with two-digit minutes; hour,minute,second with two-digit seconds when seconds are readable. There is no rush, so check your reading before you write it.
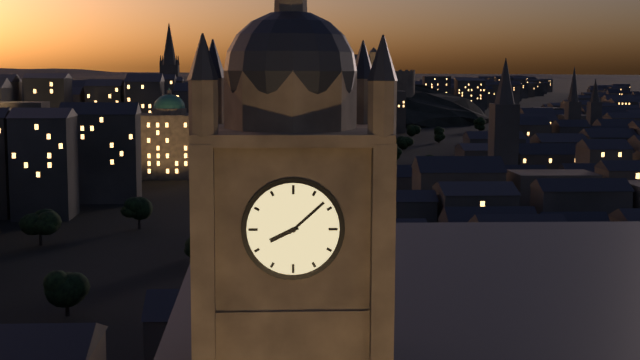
8,08
